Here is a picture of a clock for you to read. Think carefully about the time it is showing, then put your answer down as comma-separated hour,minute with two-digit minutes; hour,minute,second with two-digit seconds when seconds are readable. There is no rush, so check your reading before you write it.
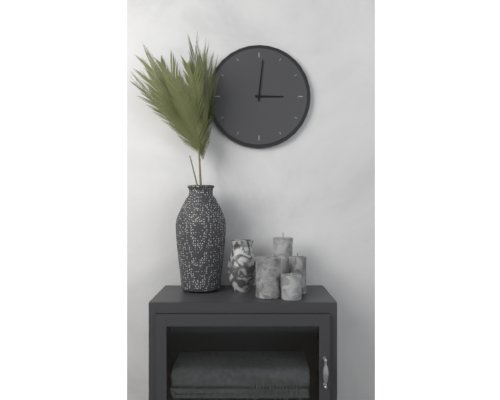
3,01
